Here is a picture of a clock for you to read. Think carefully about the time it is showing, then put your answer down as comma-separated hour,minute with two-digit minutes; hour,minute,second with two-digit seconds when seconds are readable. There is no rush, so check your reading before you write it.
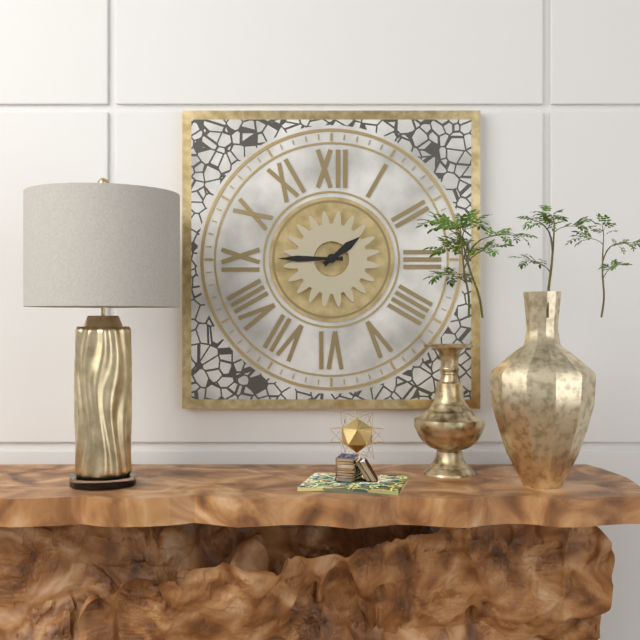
1,45
